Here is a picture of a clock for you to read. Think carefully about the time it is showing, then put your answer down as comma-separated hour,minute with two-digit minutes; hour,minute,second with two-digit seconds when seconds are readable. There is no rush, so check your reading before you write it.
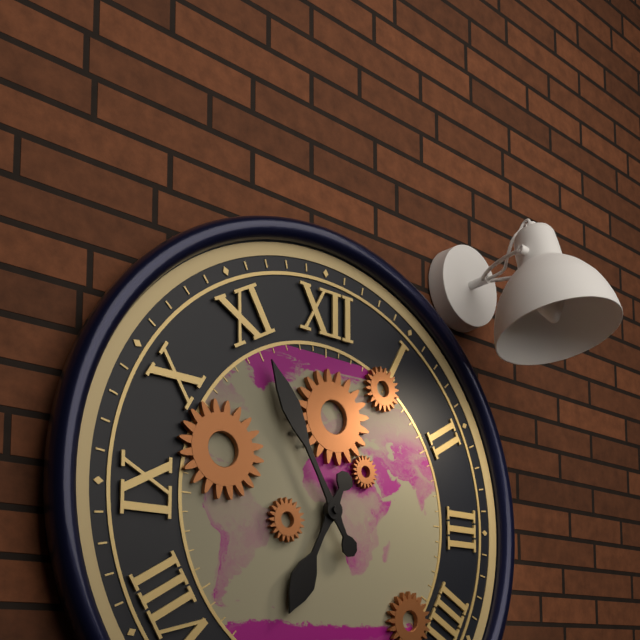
6,55
